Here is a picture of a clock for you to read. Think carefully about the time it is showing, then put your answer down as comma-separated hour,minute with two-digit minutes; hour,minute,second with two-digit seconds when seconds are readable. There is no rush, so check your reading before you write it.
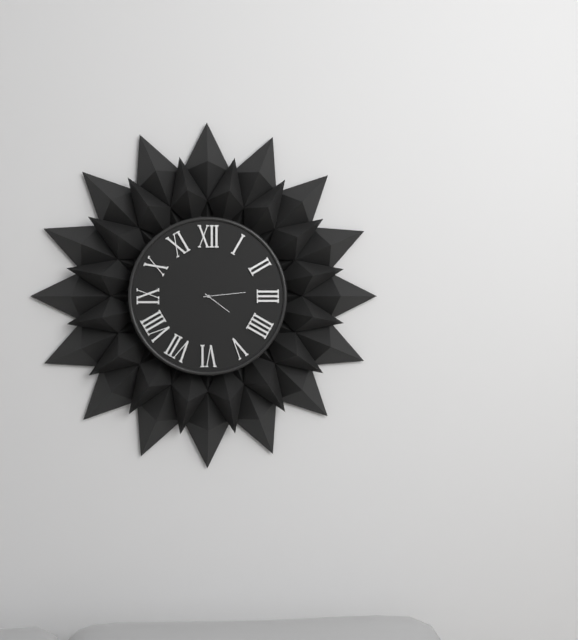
4,14
